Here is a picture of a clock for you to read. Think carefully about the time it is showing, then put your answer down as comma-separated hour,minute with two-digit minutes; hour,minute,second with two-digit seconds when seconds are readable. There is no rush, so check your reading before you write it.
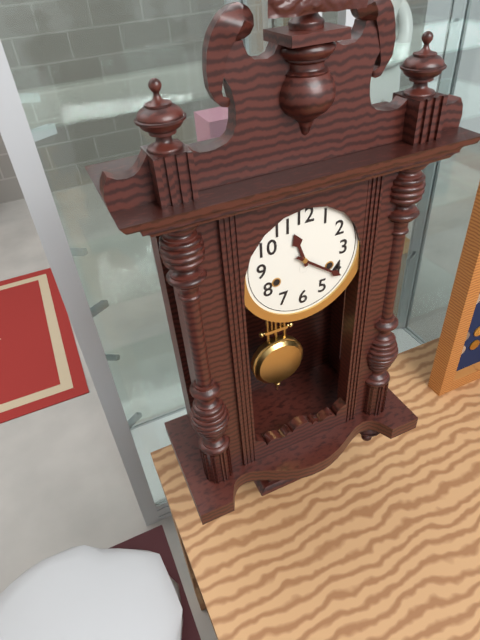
11,21
